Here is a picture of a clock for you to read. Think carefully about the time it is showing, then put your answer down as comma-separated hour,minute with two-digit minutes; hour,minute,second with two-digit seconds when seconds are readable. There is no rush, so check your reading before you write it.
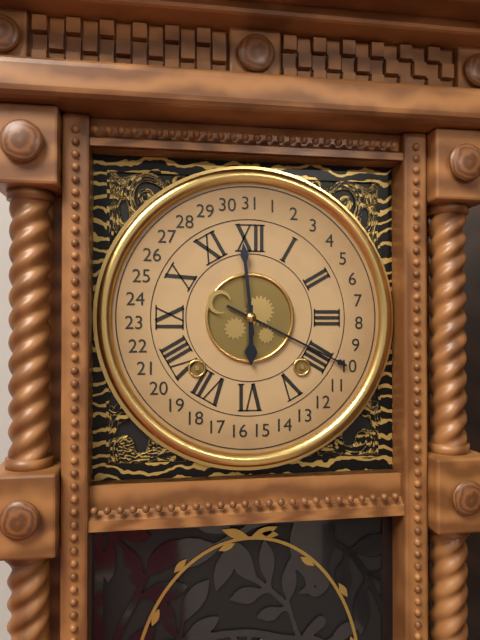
5,59
